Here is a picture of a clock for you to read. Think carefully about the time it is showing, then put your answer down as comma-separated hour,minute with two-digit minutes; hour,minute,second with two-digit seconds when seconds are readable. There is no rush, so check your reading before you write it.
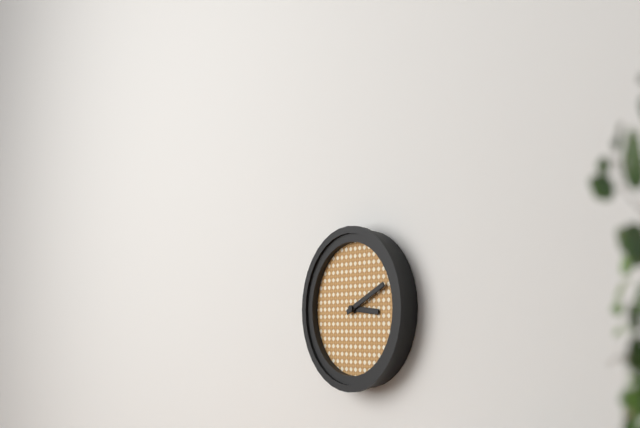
3,11
